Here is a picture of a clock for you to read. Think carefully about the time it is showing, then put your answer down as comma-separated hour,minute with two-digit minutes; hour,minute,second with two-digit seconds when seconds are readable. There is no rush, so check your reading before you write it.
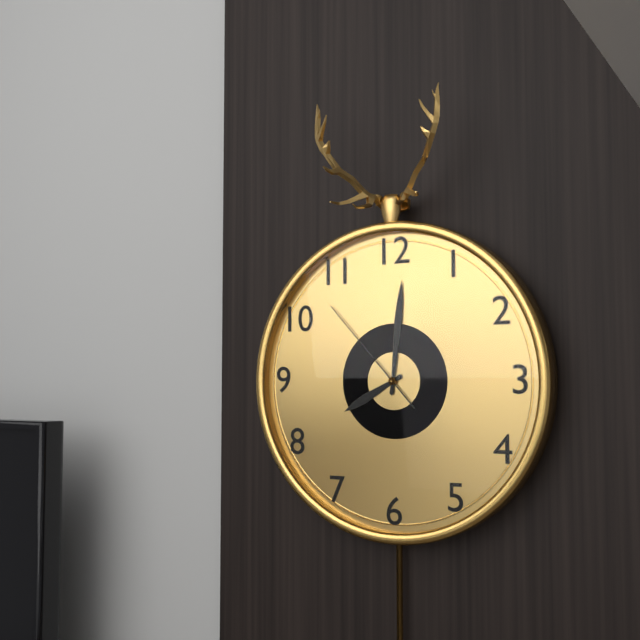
8,01,53
